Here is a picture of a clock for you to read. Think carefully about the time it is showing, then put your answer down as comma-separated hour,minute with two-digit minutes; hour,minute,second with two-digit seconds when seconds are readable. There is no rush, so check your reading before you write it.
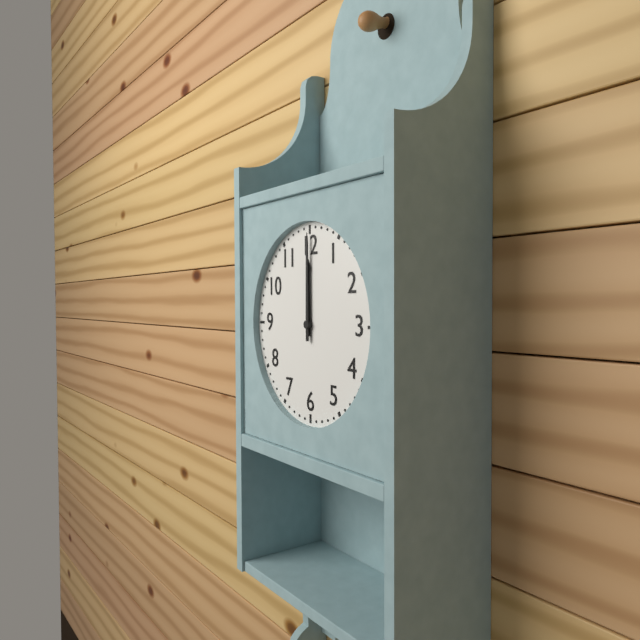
12,00
